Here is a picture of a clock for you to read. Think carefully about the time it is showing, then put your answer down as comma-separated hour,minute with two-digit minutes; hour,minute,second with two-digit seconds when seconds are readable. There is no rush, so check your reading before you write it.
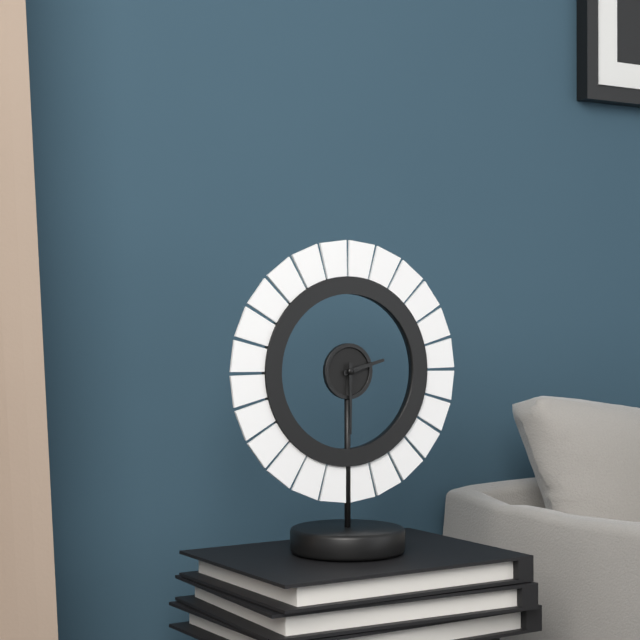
2,30
